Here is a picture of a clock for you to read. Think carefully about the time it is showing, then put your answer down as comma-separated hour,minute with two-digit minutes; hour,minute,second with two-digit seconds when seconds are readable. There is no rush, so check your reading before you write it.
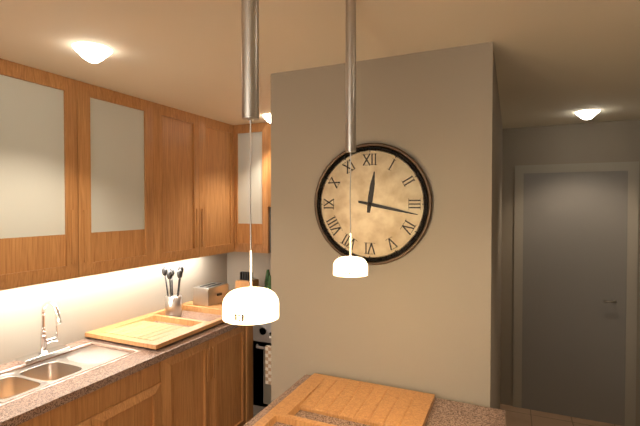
12,17
